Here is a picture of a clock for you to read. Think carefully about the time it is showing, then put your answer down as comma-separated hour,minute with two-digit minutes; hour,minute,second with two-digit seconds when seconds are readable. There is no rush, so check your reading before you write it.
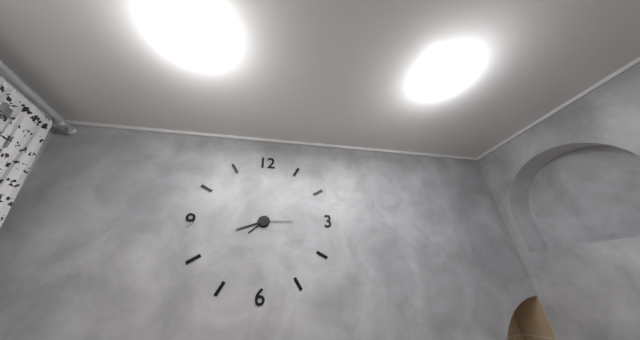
7,42
